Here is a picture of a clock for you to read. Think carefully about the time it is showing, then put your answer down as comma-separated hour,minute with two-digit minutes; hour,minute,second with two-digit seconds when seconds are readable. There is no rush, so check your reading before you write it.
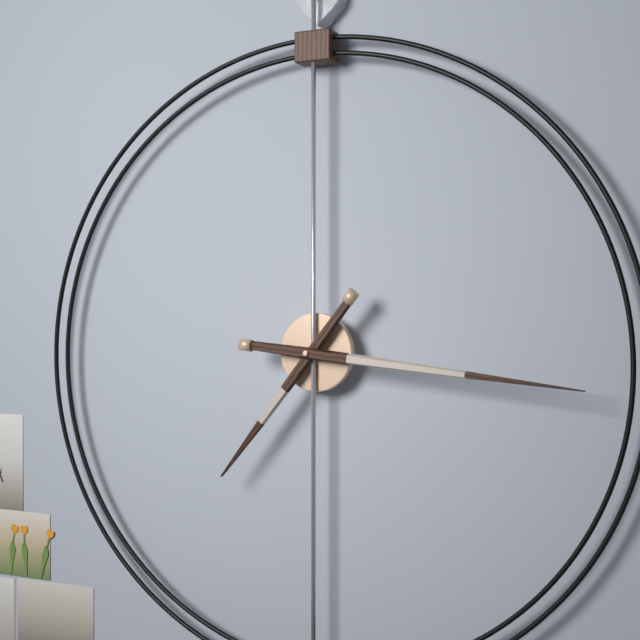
7,16
